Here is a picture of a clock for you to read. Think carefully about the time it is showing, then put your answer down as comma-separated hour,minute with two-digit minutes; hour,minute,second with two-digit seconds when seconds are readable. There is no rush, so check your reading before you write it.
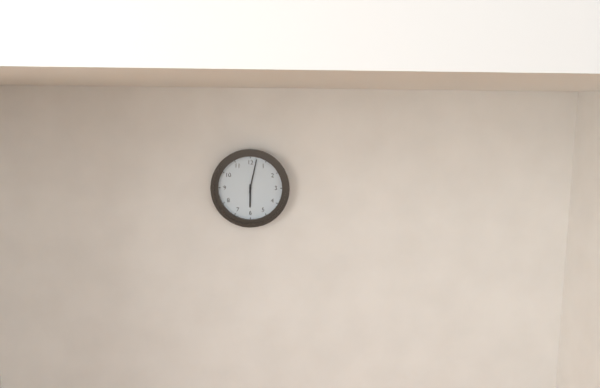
6,02
